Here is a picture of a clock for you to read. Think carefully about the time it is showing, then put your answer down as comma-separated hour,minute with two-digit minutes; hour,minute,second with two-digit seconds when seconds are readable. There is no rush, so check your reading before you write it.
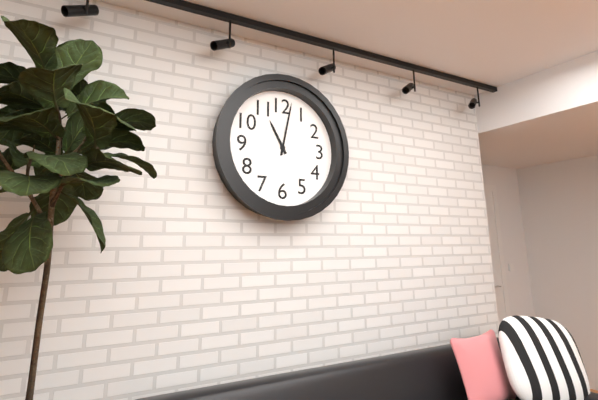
11,02
